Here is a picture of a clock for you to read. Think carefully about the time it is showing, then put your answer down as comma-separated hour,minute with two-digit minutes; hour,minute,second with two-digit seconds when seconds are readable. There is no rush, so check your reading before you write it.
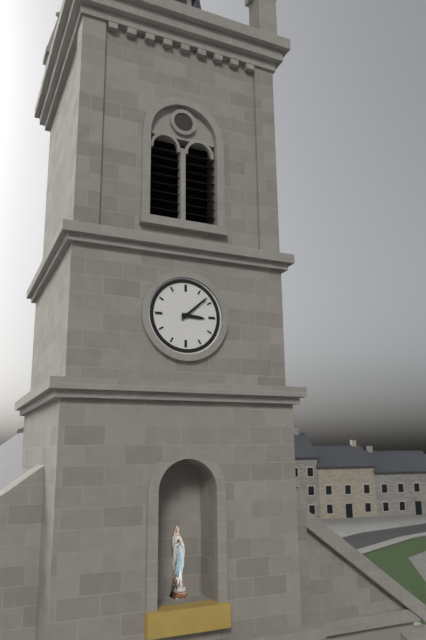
3,08
